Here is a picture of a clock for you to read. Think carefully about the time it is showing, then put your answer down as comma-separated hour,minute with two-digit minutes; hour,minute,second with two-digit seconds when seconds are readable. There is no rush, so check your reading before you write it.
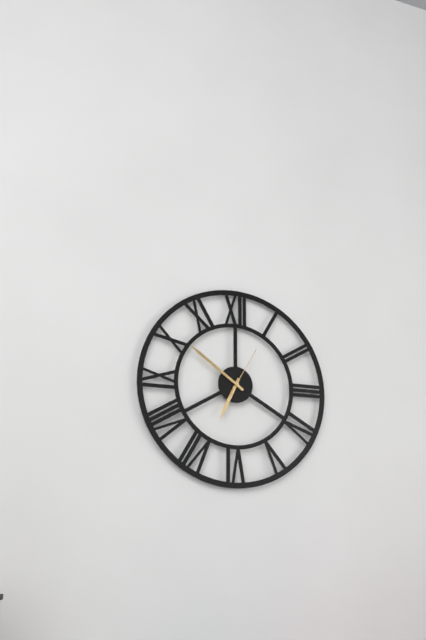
6,51,05
